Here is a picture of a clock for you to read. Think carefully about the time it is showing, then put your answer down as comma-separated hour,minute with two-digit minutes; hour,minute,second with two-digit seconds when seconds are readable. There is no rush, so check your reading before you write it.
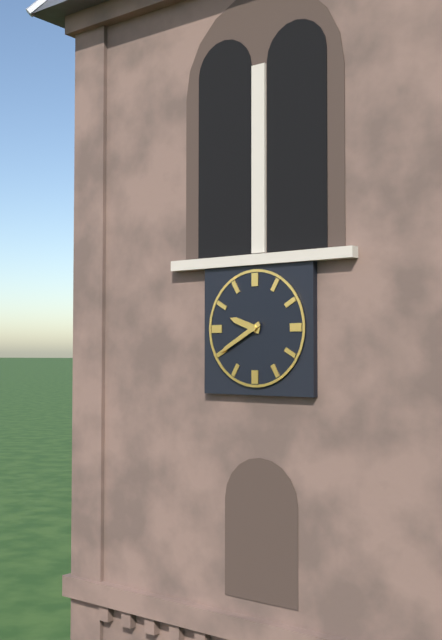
9,40
